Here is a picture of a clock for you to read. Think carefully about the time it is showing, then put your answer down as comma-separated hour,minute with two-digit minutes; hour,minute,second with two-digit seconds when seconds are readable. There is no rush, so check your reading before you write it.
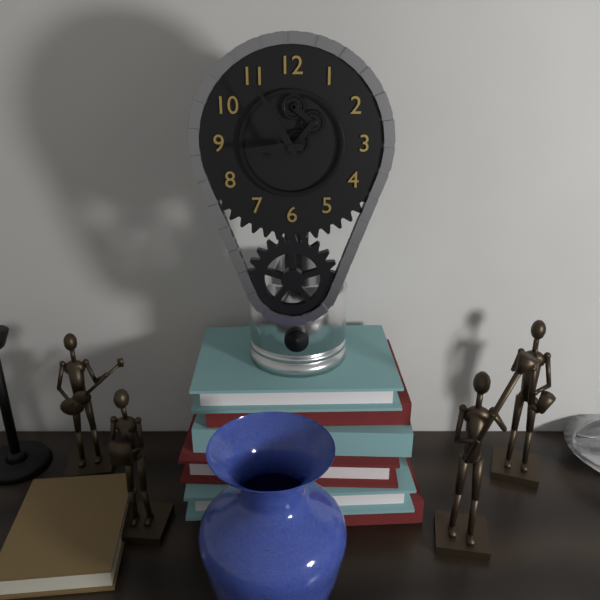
8,55
